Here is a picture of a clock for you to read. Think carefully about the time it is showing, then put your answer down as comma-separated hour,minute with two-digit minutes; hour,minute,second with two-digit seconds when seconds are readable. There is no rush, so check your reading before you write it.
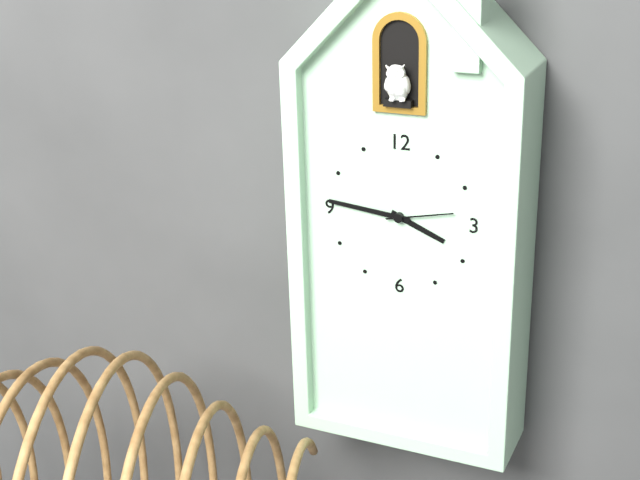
3,46,13
